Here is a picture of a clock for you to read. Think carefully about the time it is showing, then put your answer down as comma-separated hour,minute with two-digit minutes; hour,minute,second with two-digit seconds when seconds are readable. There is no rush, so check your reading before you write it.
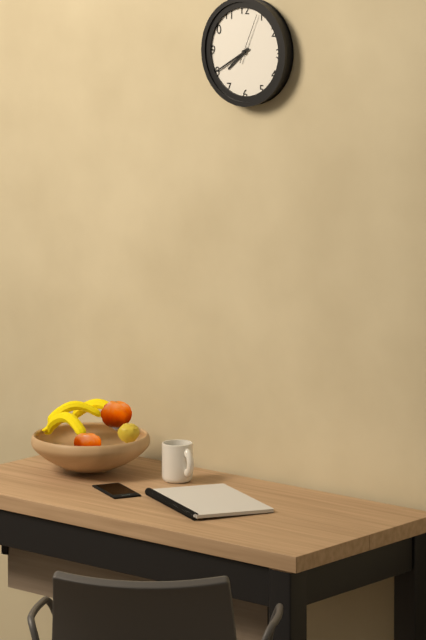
7,40
